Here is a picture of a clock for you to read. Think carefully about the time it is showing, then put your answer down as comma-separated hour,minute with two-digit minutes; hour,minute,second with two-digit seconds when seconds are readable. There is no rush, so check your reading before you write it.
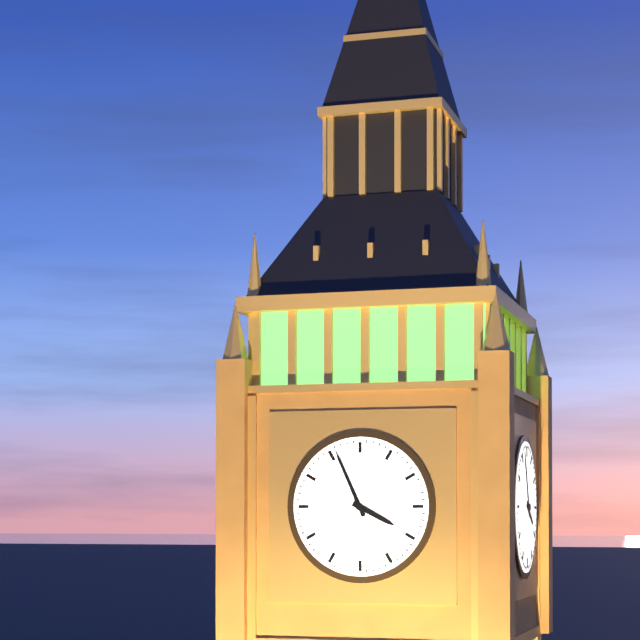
3,56
